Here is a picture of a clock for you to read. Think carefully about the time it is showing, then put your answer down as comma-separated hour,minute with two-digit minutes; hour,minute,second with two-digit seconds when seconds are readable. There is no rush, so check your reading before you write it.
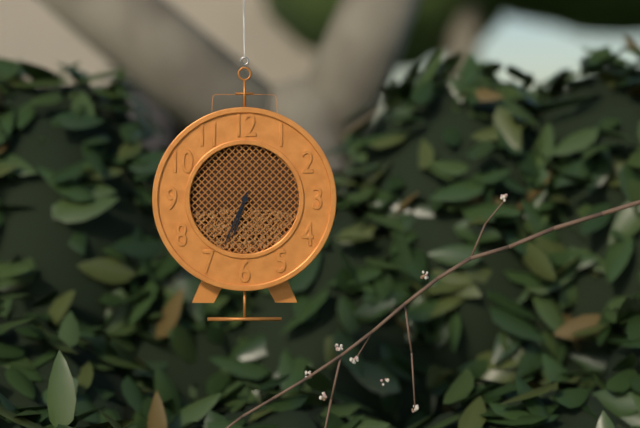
6,34
